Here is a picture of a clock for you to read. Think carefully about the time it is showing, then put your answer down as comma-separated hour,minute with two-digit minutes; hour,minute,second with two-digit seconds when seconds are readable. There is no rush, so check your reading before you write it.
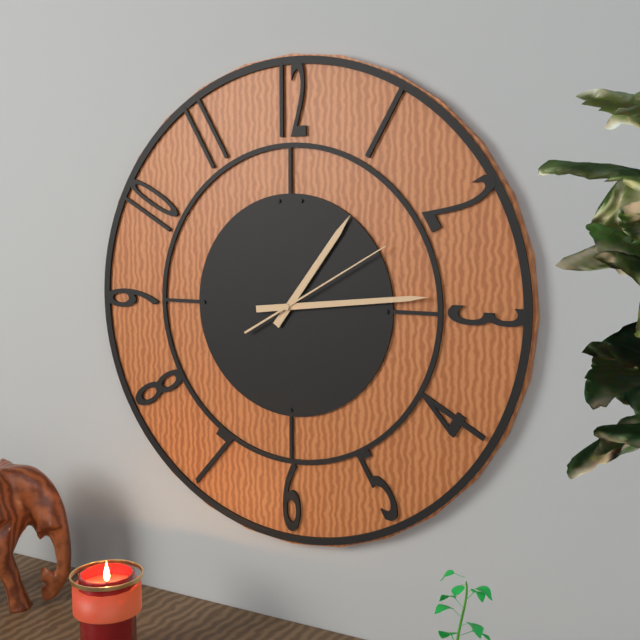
1,14,10
